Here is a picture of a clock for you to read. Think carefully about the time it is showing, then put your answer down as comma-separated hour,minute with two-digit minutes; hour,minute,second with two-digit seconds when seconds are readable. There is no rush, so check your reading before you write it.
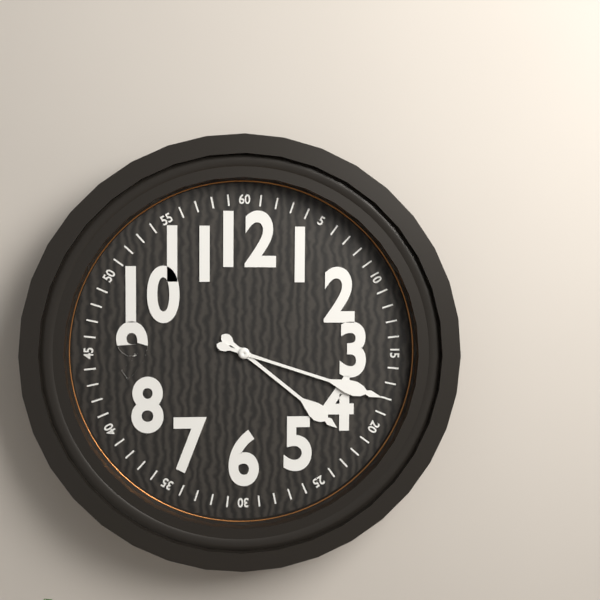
4,18
